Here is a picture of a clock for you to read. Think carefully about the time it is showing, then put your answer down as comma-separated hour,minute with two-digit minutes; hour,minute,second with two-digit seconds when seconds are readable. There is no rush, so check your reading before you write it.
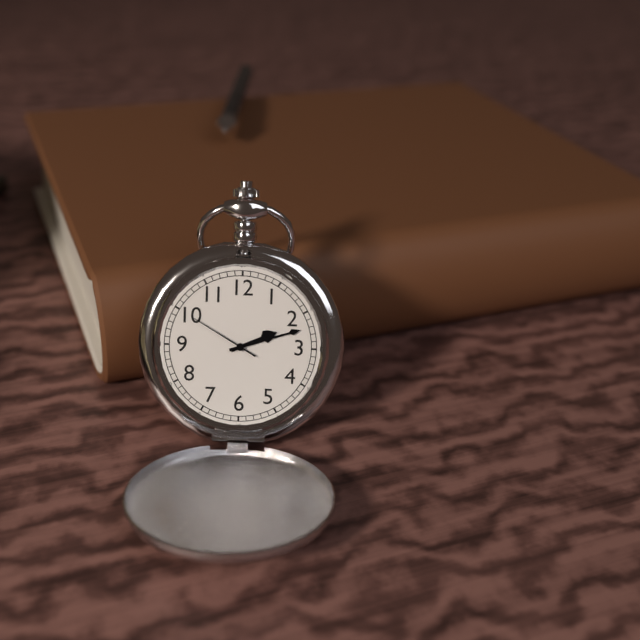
2,12,50
